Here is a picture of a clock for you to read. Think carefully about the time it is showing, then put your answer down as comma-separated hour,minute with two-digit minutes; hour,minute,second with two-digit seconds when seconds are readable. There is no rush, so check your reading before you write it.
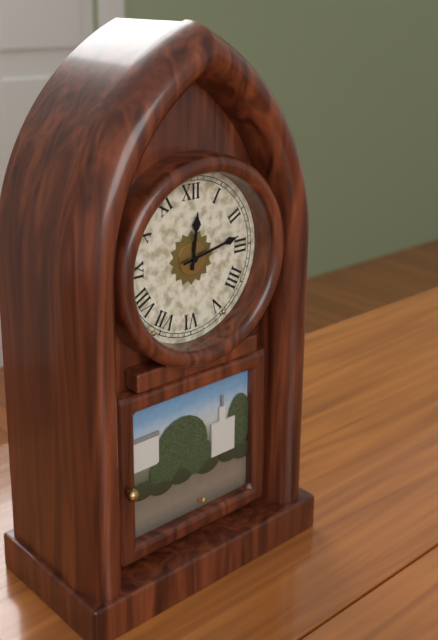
12,13
